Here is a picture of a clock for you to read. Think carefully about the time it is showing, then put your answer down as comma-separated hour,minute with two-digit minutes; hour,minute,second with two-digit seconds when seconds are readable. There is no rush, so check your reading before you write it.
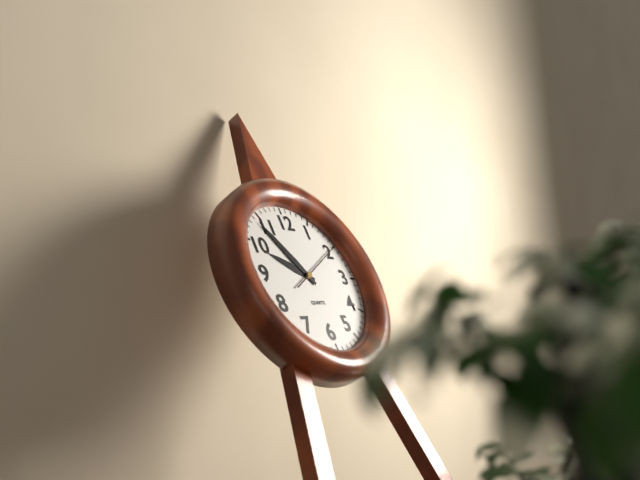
9,54
